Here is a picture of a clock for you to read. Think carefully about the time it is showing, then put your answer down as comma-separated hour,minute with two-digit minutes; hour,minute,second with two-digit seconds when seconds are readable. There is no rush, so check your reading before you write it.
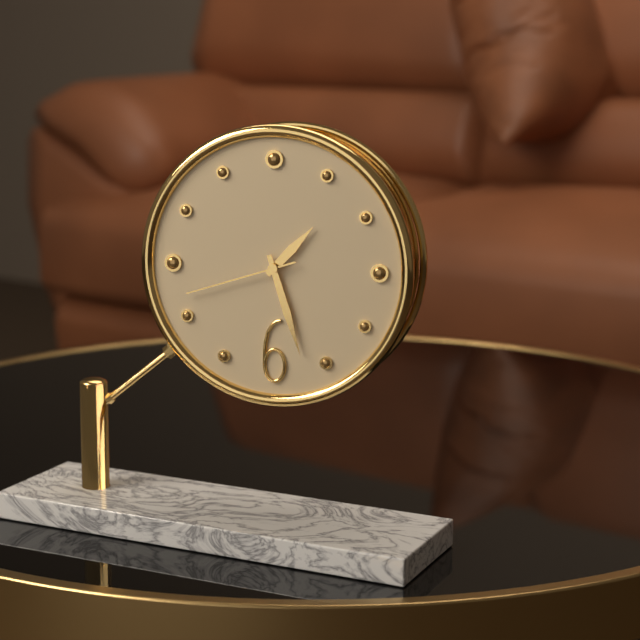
1,27,42
